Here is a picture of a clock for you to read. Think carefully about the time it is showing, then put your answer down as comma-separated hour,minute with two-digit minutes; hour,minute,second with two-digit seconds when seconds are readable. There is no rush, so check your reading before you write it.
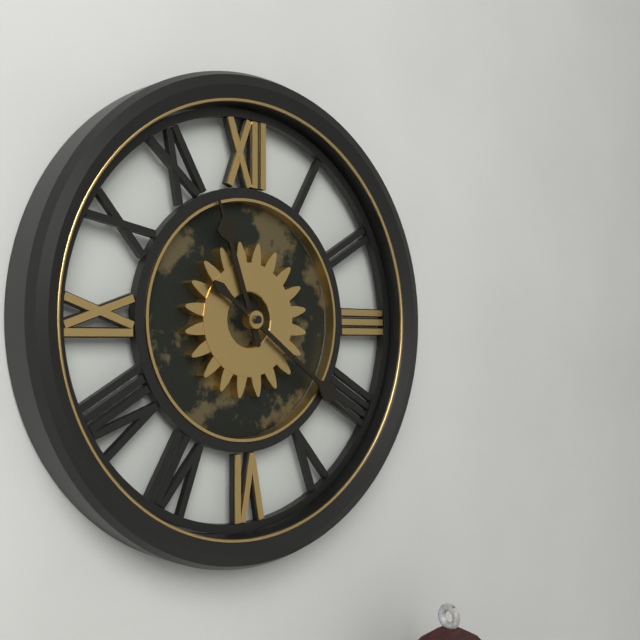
11,21
